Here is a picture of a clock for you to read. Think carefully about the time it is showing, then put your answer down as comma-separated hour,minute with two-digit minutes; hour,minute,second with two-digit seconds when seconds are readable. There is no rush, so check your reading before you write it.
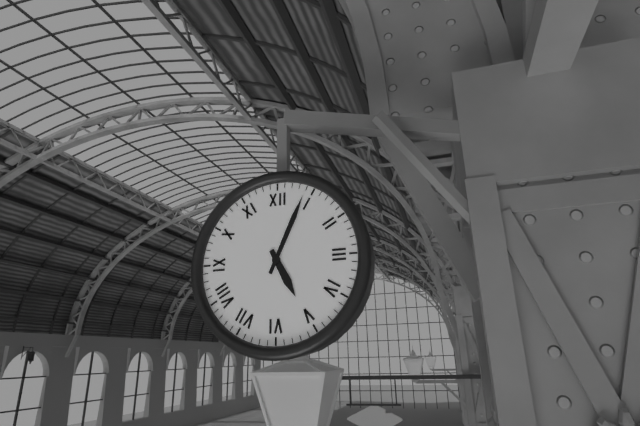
5,04
